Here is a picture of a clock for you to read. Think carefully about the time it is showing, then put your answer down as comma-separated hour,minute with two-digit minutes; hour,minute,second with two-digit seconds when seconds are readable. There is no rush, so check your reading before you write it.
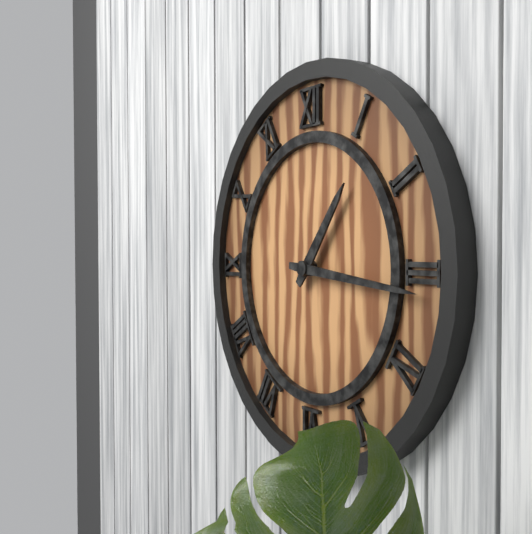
1,16
